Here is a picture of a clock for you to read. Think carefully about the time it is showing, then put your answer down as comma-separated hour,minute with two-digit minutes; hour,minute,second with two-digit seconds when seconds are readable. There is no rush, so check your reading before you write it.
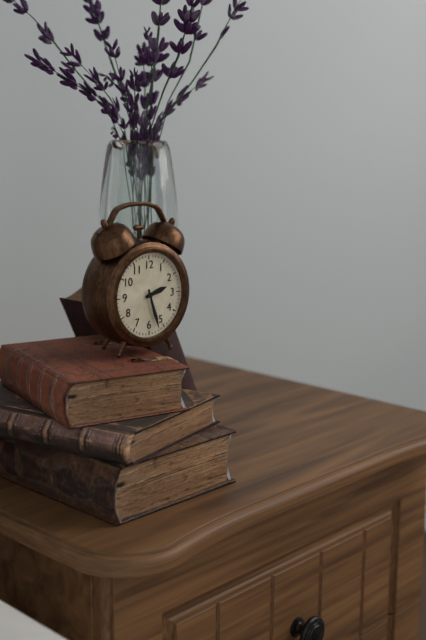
2,27
